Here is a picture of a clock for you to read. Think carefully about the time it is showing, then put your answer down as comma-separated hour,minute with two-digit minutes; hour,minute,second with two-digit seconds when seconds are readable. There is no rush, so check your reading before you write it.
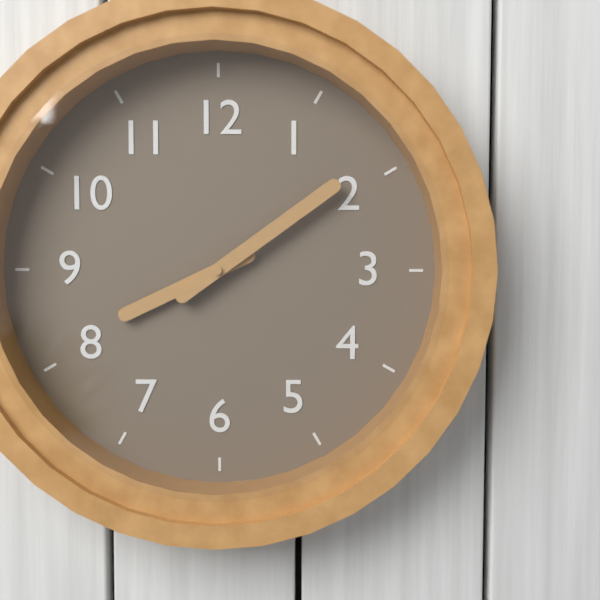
8,09
